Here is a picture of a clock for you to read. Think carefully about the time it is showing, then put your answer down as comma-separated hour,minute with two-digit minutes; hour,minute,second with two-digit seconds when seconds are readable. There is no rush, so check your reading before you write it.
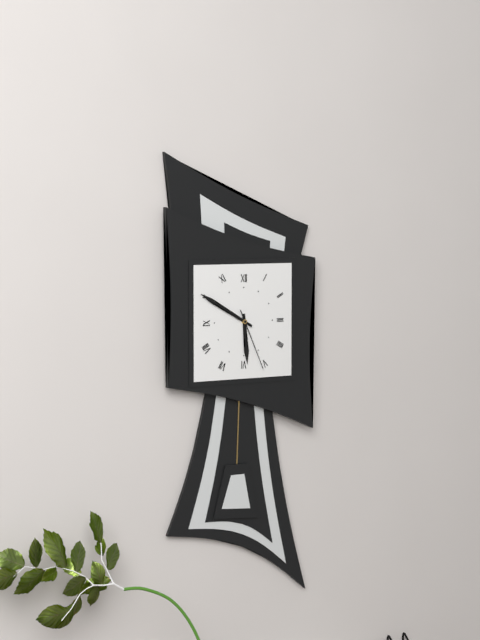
5,50,26
